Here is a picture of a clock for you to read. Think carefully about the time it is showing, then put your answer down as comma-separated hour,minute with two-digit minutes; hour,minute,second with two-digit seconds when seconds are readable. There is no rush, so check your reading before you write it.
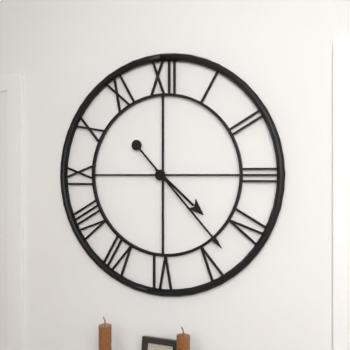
4,23
